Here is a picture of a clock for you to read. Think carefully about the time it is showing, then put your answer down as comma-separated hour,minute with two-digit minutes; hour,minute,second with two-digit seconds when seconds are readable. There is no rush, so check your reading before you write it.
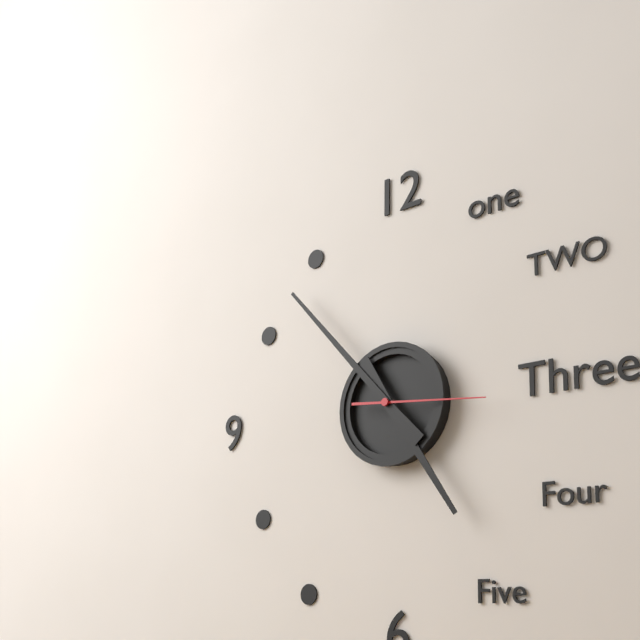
4,53,16
